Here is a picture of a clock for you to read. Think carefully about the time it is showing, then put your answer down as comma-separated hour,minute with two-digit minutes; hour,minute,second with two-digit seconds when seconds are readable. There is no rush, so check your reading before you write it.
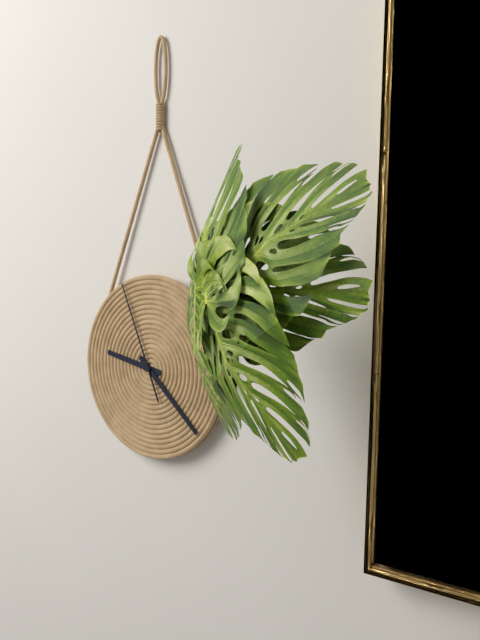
9,22,56
